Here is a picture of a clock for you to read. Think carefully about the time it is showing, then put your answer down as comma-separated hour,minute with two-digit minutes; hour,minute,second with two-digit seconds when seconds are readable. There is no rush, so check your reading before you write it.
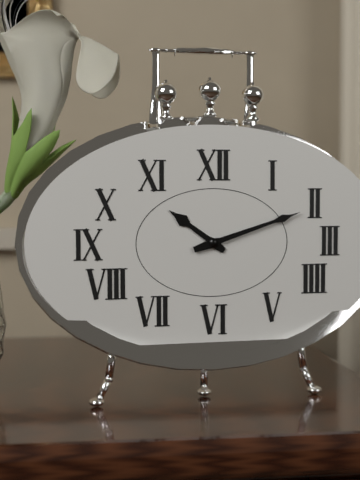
10,12
